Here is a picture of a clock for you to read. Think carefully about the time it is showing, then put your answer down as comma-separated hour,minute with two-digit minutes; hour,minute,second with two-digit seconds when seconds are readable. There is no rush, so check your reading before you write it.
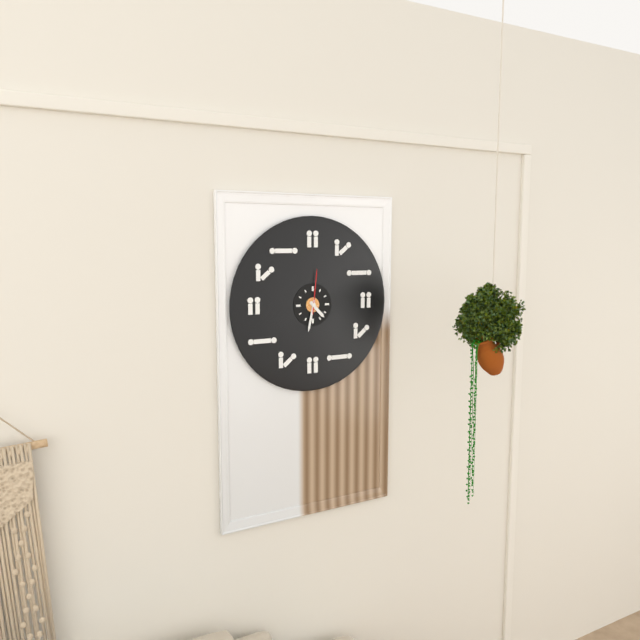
4,32
